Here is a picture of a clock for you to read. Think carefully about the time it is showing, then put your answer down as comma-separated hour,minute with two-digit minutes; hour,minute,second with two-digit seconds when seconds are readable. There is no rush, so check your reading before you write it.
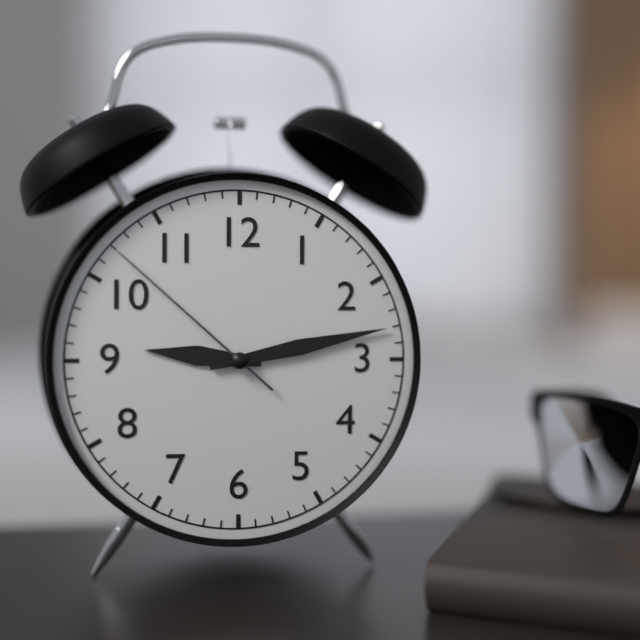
9,13,52
